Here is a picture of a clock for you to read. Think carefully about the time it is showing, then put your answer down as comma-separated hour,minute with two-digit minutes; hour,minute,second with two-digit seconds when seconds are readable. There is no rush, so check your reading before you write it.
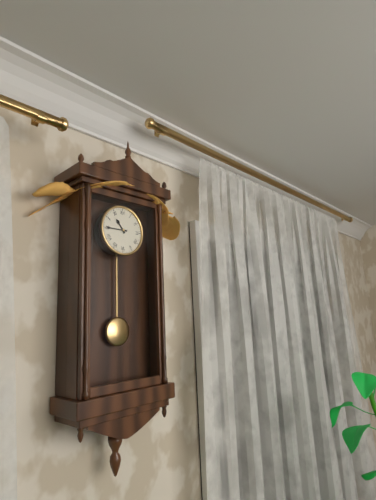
10,45
